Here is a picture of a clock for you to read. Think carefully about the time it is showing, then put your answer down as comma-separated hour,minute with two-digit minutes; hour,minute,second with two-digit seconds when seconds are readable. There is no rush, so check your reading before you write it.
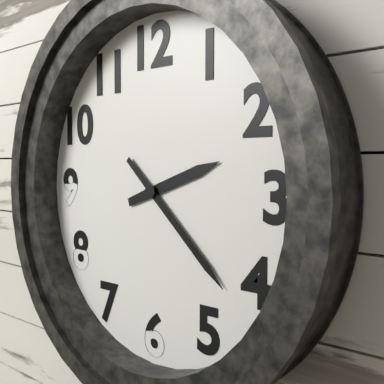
2,22
